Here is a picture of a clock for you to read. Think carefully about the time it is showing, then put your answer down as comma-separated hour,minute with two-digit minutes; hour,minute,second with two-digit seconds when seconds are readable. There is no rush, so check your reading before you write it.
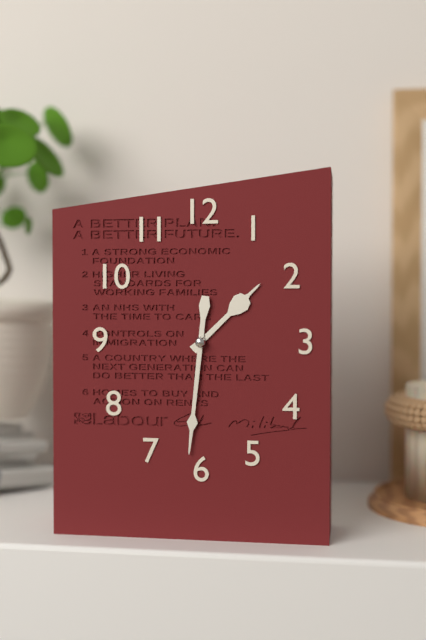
1,31
